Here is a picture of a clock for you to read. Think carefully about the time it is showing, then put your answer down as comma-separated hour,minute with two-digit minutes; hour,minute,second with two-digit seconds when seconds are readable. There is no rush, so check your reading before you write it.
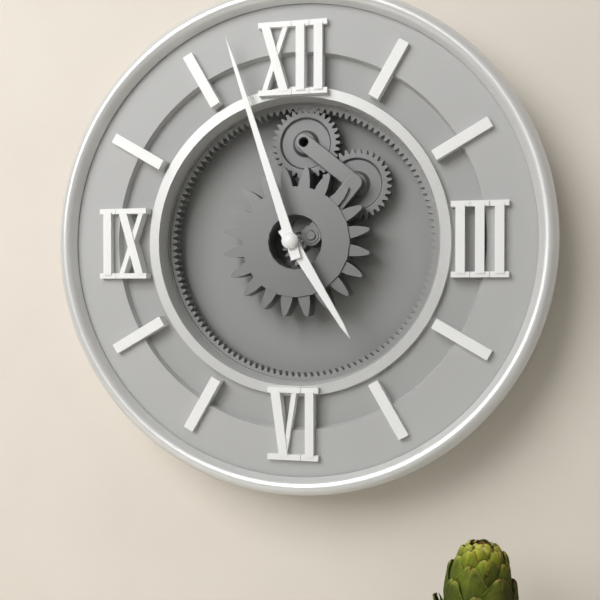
4,57
